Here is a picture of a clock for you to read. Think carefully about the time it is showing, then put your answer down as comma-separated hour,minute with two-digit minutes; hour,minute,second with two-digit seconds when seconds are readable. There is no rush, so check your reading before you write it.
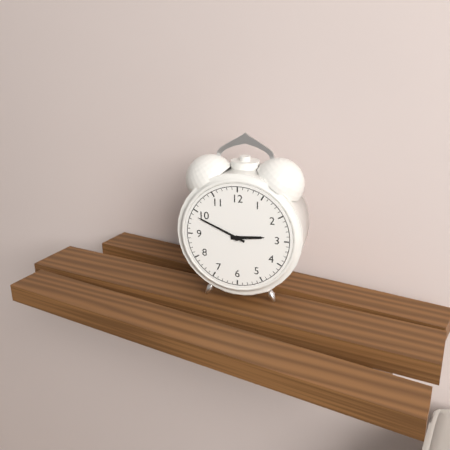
2,49
